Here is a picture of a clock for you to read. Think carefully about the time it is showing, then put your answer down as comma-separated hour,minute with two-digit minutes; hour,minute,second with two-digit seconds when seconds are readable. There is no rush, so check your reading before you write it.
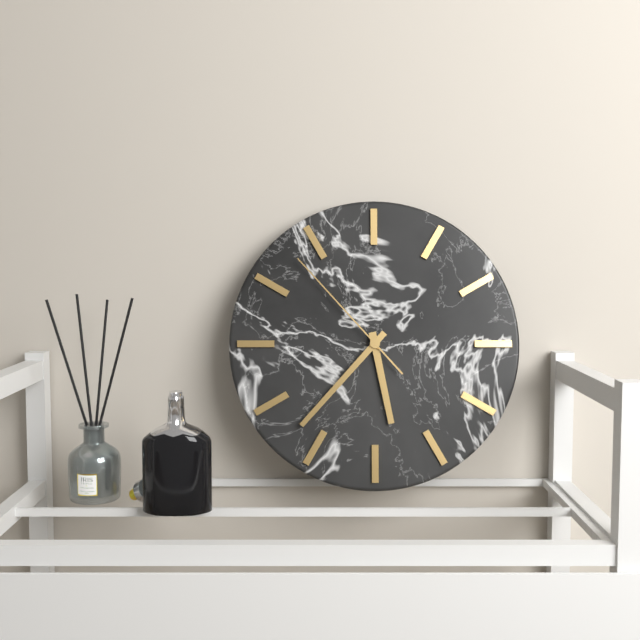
5,37,53
